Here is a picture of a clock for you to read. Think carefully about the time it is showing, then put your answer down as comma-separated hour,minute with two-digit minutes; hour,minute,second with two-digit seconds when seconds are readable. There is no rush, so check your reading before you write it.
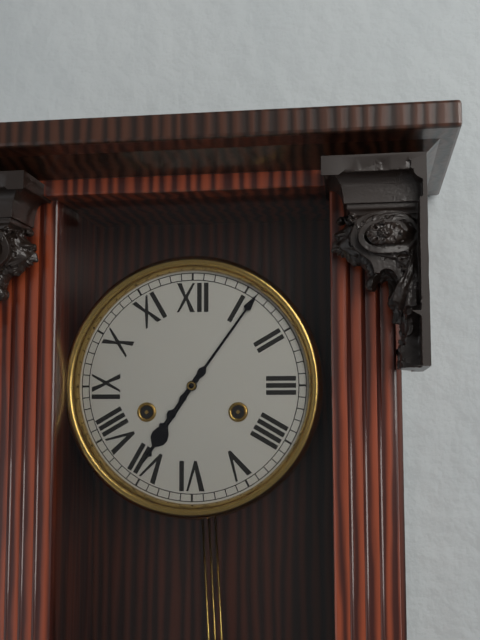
7,06
